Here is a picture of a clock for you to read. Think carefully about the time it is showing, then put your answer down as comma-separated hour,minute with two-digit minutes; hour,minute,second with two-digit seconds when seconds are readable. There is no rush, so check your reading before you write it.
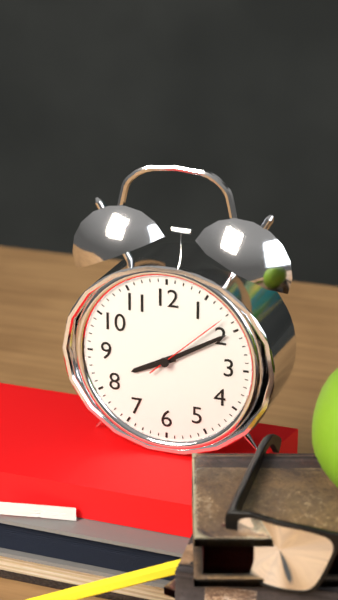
8,10,08
